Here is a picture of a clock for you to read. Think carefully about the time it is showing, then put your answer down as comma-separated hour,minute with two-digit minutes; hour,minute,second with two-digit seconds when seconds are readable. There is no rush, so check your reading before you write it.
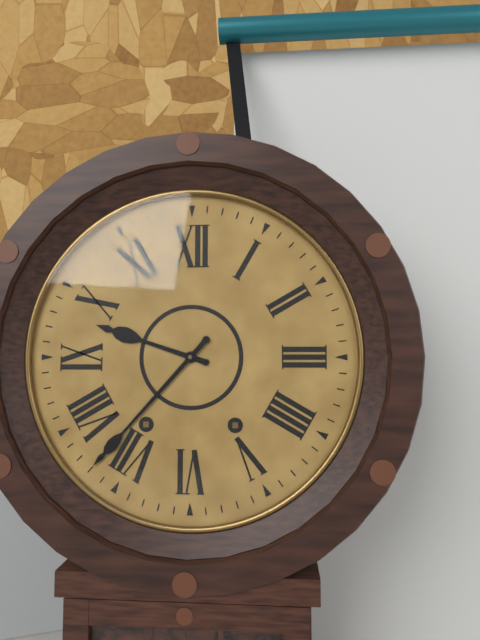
9,37
